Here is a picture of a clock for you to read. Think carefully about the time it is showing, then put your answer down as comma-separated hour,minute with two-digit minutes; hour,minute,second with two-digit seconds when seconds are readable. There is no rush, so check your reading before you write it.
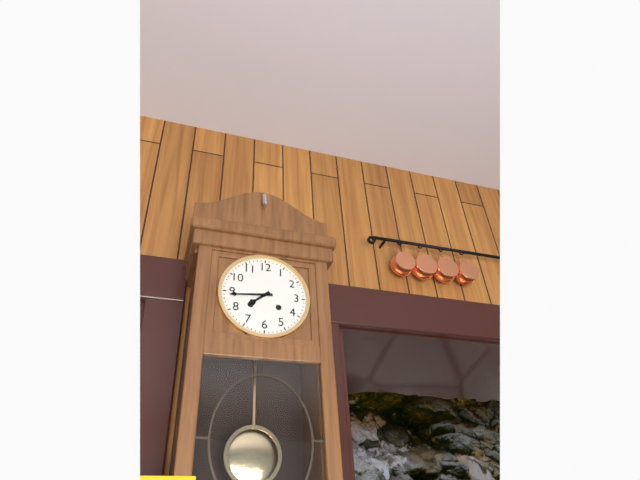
7,44
